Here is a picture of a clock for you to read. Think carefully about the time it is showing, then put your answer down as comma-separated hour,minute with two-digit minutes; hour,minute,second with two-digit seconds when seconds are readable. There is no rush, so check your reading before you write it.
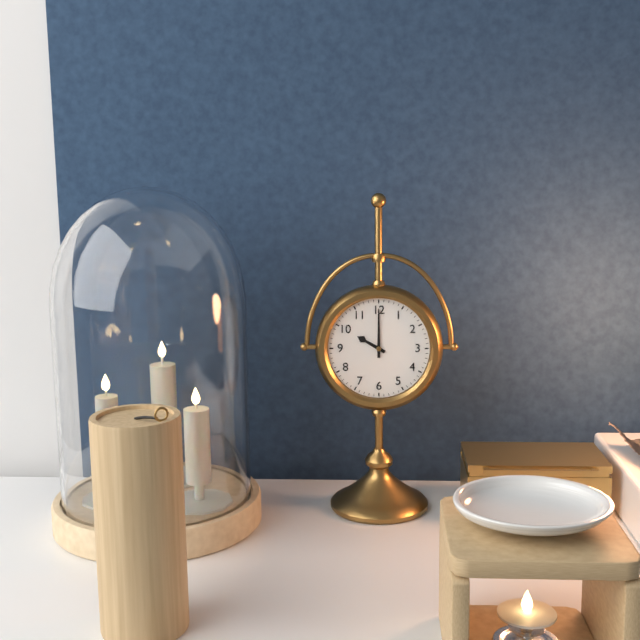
10,00
